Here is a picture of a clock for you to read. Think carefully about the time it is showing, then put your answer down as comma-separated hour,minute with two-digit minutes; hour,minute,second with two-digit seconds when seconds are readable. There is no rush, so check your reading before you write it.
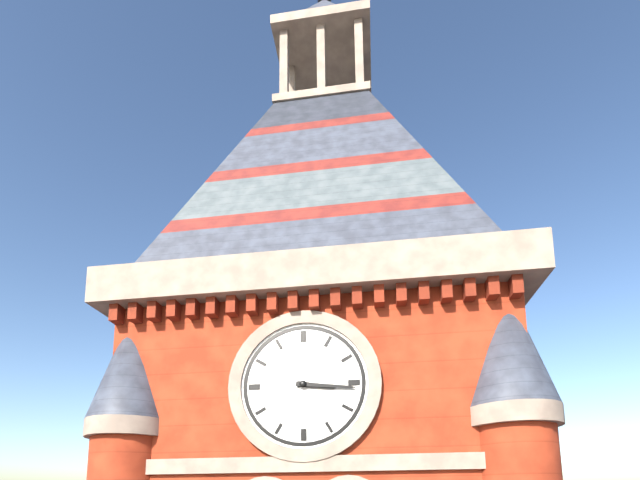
3,16
